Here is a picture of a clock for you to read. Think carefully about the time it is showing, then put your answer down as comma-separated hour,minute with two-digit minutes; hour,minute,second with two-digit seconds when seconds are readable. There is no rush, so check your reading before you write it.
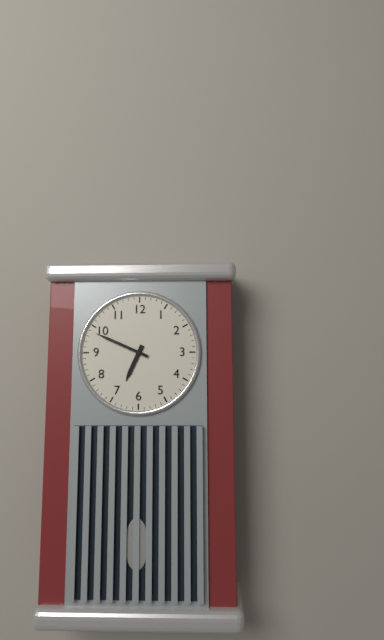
6,49
